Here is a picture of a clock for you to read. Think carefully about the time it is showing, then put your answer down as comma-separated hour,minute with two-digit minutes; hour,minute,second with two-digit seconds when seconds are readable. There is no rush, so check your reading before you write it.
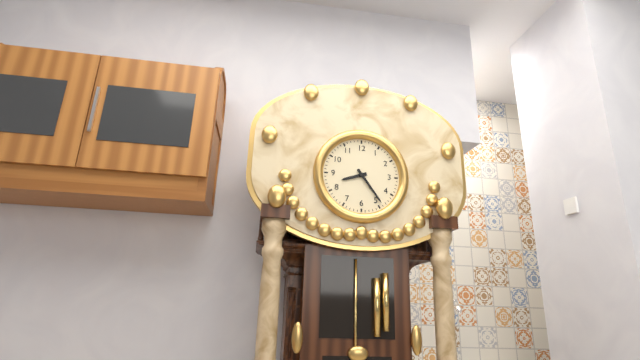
8,24
